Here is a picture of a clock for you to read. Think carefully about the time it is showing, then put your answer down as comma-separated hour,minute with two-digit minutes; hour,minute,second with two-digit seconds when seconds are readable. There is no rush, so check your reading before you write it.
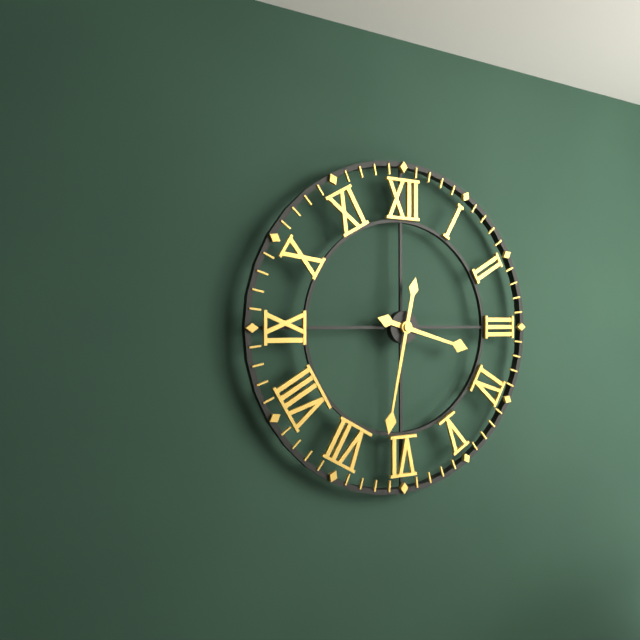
3,32
